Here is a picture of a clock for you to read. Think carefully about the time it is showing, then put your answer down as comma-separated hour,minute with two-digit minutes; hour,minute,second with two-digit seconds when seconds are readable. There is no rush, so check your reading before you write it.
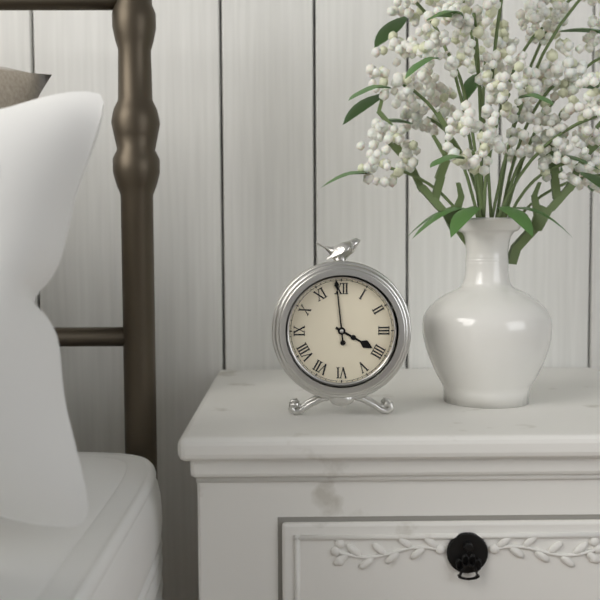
3,59
